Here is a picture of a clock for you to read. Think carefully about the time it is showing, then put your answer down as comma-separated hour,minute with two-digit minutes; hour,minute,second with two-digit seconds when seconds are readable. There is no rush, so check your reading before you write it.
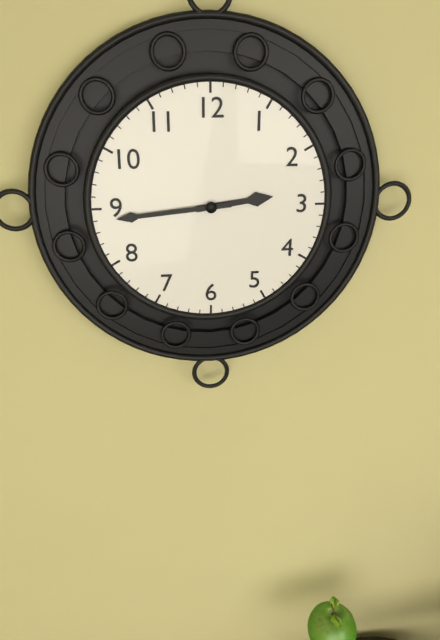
2,44
